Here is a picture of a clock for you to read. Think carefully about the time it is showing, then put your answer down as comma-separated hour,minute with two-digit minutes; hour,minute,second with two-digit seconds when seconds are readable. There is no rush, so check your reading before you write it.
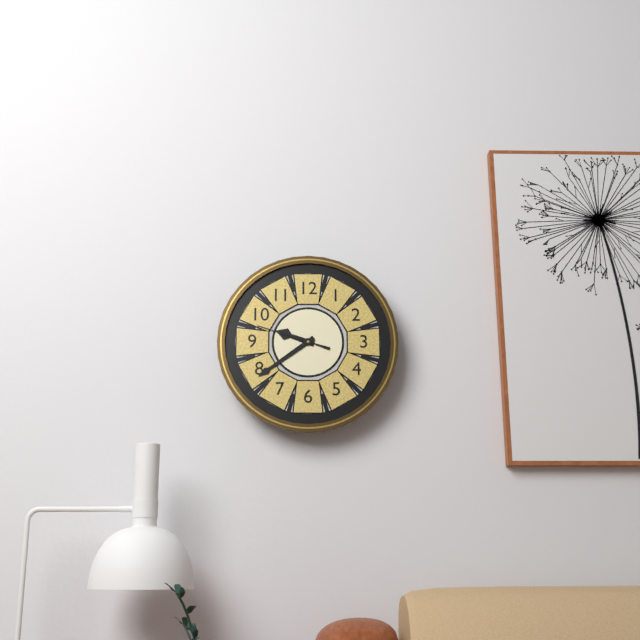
9,39,48
